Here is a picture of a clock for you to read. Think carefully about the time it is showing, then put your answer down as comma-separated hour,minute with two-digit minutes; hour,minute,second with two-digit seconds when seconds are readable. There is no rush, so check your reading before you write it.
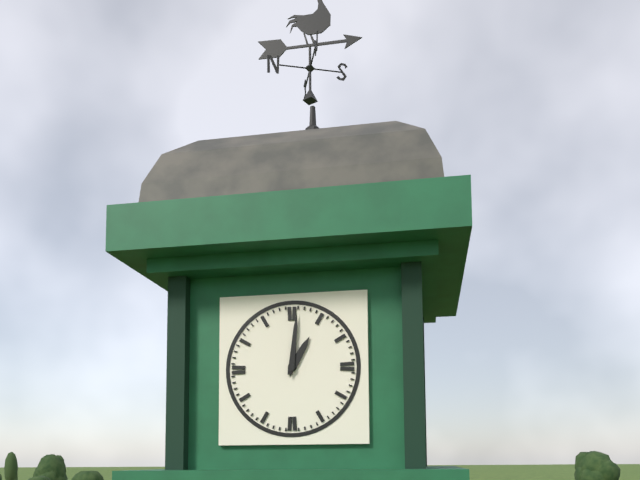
1,01
